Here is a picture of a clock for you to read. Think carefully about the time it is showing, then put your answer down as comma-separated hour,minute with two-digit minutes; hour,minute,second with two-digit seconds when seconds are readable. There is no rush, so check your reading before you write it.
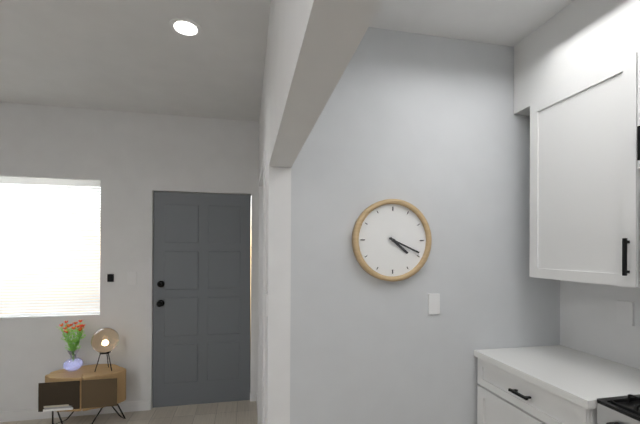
4,19
